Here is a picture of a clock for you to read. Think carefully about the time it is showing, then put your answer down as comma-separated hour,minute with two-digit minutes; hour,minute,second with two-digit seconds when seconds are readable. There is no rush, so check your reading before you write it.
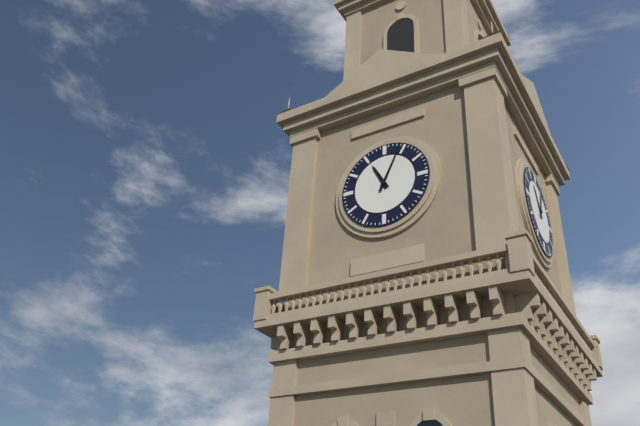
11,04
